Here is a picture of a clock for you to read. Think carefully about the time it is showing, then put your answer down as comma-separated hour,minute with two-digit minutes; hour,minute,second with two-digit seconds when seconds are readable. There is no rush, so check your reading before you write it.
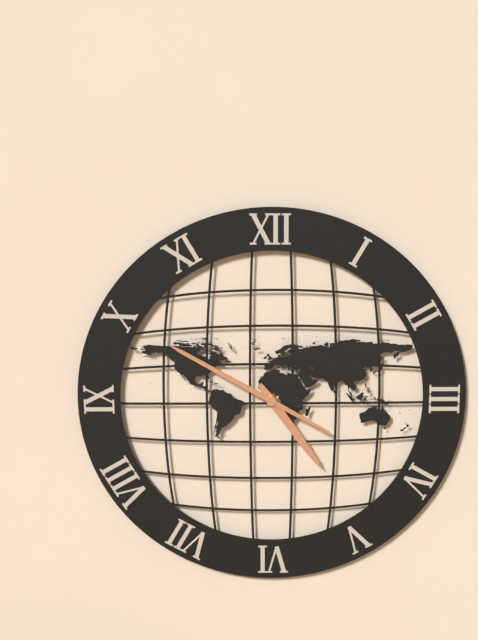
4,50
